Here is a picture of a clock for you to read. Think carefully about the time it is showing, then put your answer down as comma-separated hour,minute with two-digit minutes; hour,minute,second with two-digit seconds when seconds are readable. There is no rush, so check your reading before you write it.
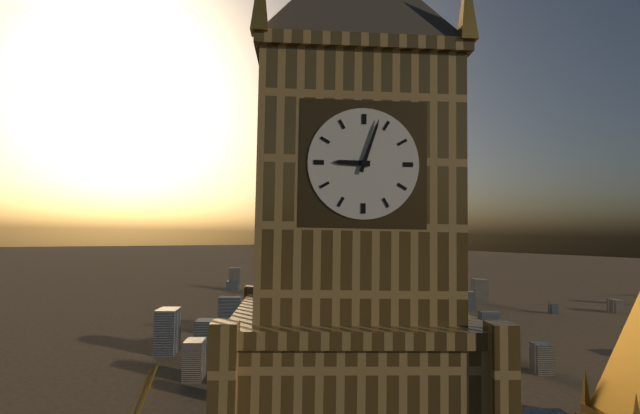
9,03
